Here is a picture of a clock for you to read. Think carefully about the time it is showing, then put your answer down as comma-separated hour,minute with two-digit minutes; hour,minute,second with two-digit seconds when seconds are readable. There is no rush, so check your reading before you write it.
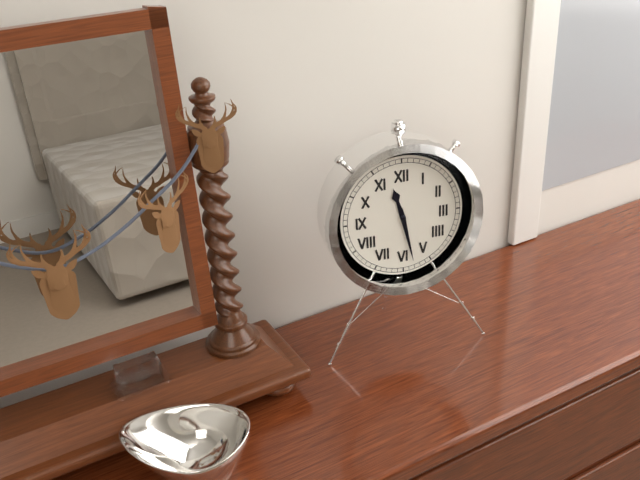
11,28
